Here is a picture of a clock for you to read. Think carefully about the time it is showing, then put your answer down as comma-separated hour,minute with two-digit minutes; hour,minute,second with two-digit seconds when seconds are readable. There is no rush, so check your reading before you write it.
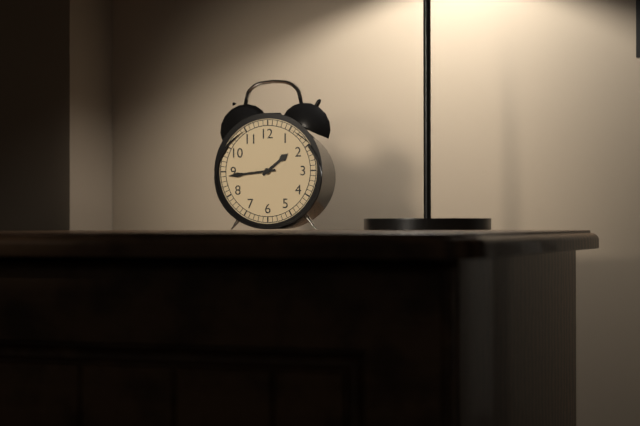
1,44
